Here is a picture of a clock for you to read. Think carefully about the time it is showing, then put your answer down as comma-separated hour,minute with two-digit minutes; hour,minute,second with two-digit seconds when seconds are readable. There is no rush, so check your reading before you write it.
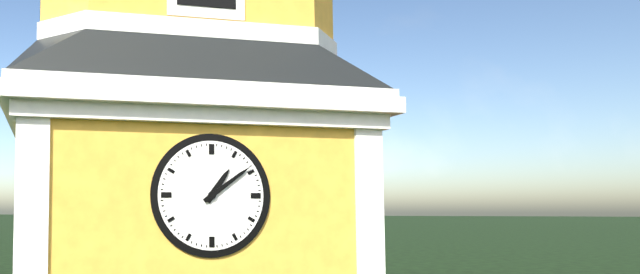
1,09
